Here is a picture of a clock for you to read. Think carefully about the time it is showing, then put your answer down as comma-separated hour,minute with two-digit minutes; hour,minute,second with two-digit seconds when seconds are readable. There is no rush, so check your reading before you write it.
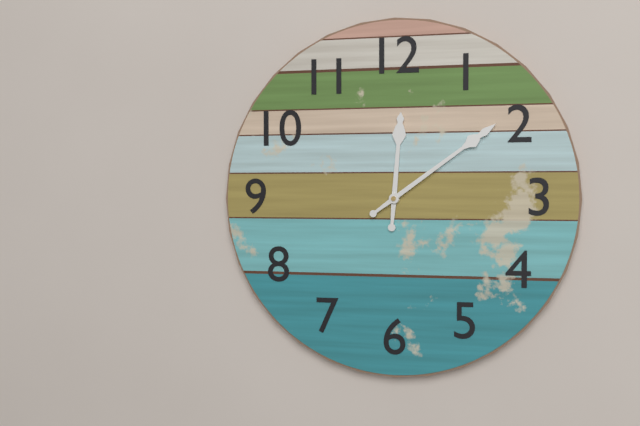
12,09
